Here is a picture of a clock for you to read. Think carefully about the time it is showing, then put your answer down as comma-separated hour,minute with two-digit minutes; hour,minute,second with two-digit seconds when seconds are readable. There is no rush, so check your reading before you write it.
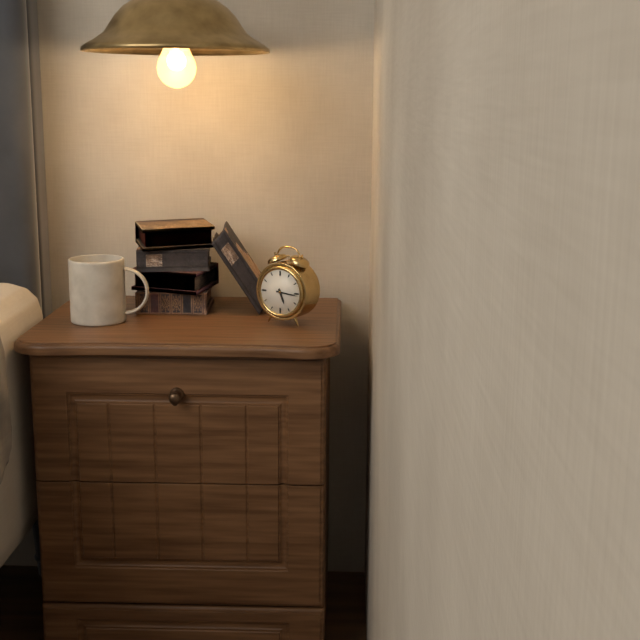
5,16
